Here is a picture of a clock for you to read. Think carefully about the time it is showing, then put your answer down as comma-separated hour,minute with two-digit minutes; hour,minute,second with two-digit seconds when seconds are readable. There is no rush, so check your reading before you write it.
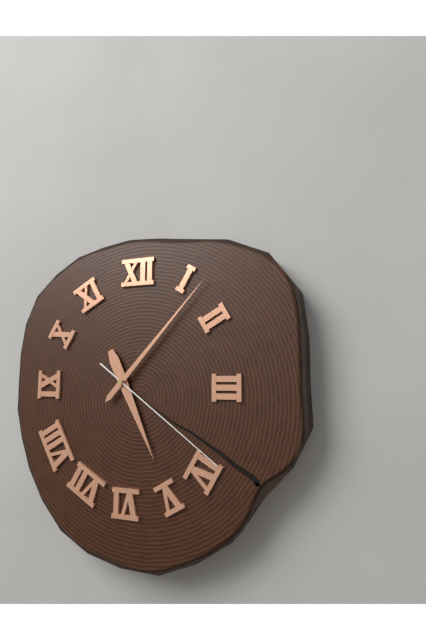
5,07,21
